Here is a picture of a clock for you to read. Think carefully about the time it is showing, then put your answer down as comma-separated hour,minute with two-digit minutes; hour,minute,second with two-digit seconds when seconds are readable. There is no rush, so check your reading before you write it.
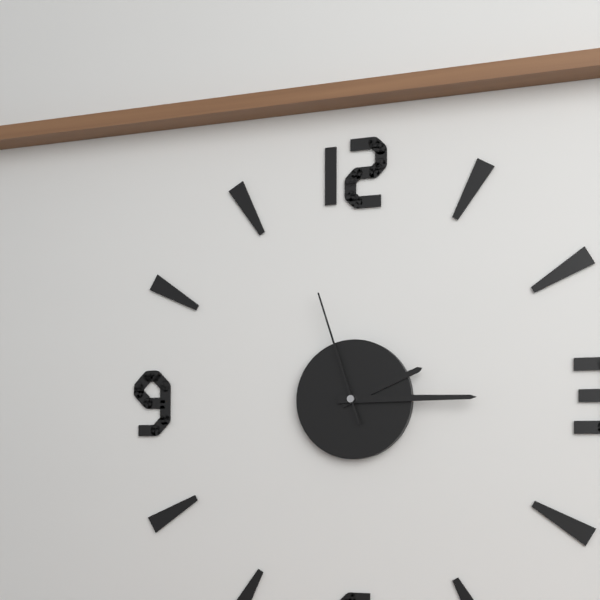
2,15,57
